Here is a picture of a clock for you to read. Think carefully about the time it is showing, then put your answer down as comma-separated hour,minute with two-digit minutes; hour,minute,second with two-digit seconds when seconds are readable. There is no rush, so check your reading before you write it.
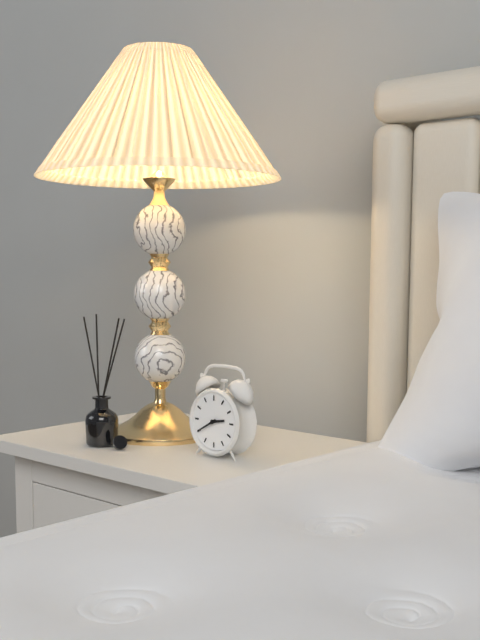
2,40
